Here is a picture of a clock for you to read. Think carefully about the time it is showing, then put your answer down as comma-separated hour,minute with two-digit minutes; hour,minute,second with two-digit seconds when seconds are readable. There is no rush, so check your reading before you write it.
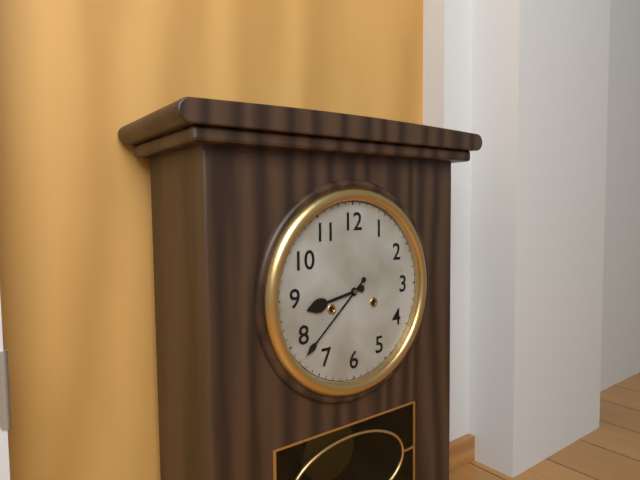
8,38
